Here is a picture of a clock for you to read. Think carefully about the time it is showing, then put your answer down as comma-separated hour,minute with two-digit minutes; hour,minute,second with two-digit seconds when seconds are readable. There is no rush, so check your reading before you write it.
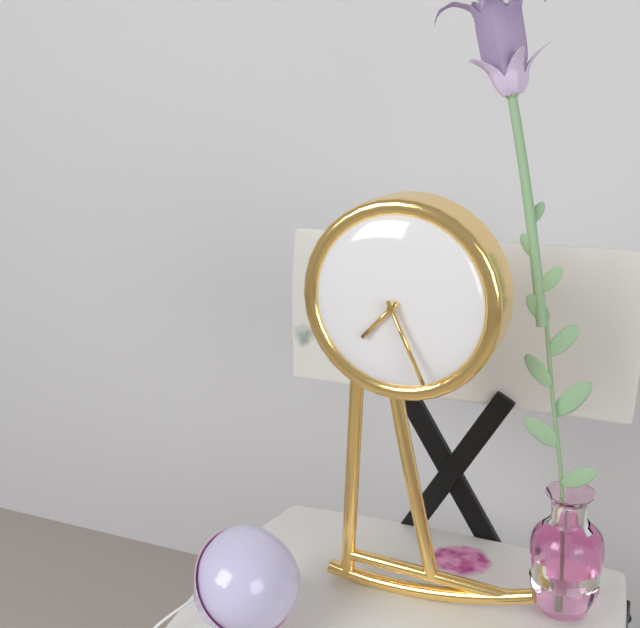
7,26
